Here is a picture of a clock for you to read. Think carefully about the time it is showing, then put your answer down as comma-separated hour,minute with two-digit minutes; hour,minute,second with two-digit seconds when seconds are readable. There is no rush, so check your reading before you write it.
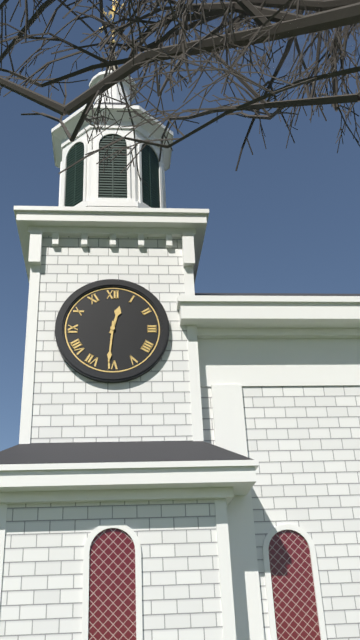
12,31
